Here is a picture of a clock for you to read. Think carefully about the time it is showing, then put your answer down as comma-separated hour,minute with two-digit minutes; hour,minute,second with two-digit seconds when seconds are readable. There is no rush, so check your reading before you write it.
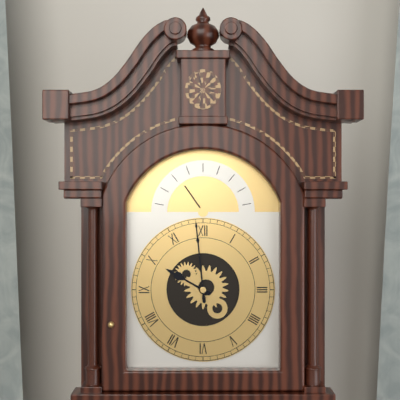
9,59
